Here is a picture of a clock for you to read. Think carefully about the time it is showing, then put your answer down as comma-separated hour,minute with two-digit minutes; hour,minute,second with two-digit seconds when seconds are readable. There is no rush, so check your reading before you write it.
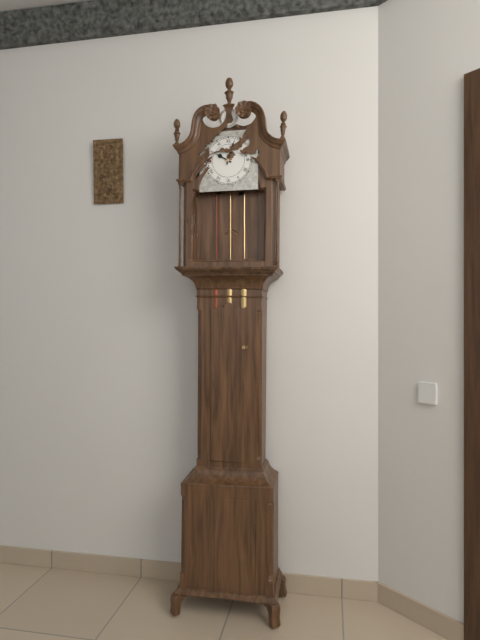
10,03
